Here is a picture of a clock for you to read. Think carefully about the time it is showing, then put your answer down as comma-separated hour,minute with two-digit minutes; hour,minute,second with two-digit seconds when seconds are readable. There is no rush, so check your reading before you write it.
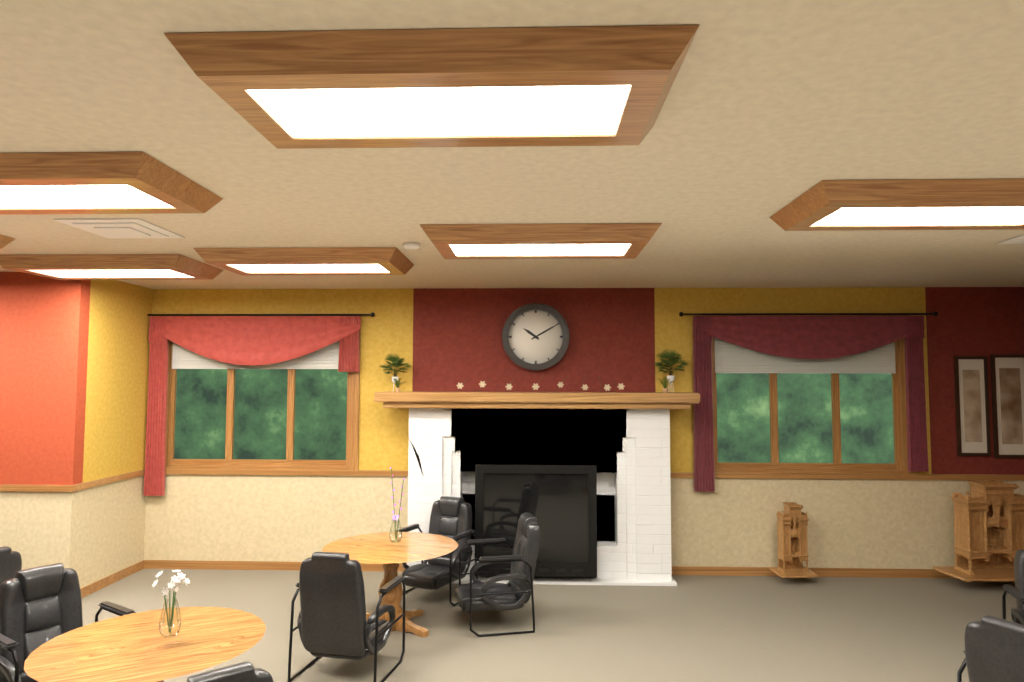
10,10
